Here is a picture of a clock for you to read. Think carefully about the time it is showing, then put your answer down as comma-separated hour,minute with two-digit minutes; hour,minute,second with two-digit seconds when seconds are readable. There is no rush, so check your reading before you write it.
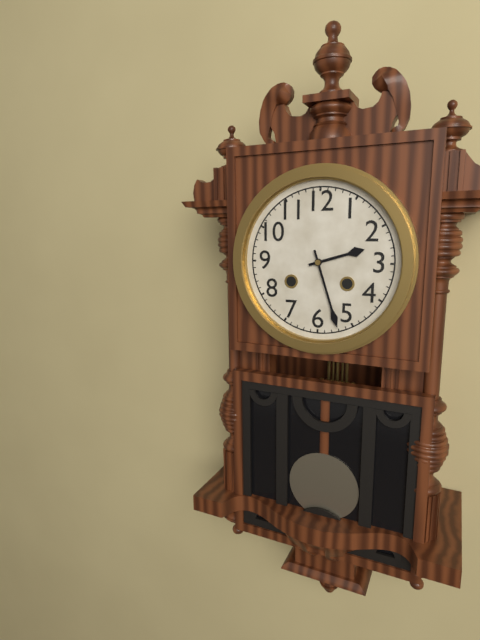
2,27
